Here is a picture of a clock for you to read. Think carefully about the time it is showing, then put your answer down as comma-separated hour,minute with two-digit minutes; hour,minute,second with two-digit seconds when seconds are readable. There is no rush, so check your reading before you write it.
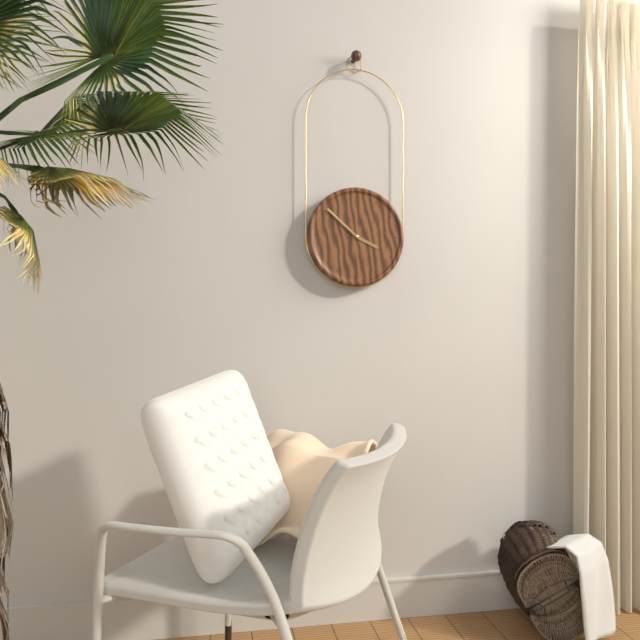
3,52
